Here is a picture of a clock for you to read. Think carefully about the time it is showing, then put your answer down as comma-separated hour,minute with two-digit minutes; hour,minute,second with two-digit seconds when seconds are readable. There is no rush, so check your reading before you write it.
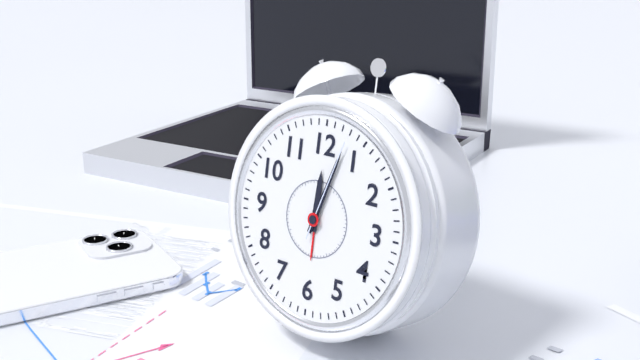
12,03,03
